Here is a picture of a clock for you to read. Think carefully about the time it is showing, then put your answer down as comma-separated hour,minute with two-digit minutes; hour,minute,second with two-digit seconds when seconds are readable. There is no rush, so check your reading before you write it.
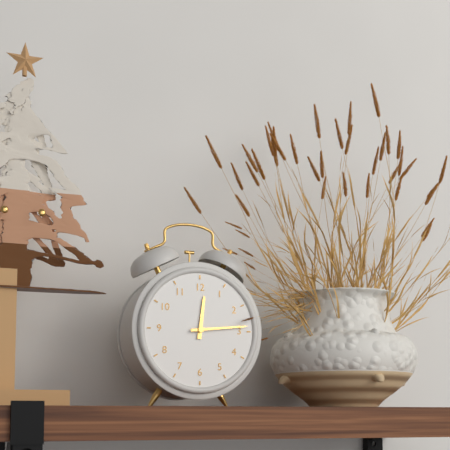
12,14
